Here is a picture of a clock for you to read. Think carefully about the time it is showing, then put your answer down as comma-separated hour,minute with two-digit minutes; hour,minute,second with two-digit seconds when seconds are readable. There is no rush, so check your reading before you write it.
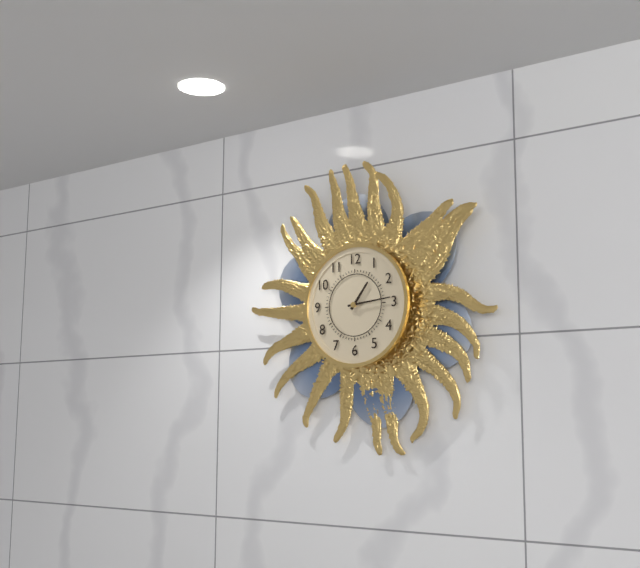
1,14
